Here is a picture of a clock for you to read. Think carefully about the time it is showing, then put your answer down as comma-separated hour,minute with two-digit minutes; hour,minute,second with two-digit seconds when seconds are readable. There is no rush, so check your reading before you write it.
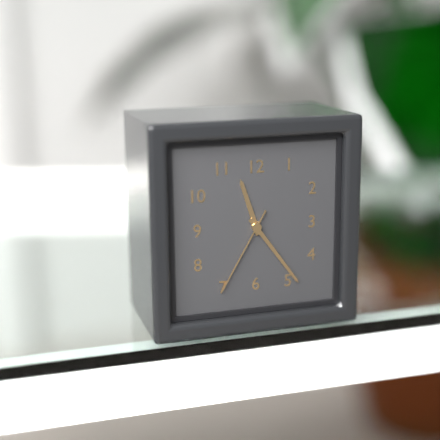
11,24,35
